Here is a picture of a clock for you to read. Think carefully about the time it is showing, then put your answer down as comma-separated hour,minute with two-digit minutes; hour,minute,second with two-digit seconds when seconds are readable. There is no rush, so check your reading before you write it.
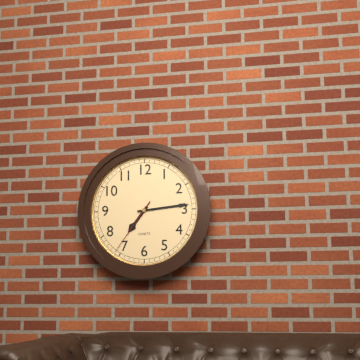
7,14,36
